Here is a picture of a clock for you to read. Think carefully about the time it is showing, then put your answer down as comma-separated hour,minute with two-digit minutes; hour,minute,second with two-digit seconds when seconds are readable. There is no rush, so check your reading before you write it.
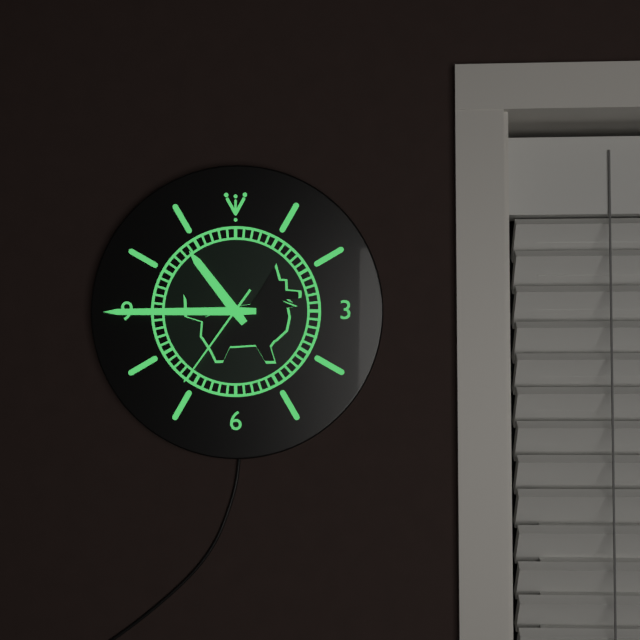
10,45,36
